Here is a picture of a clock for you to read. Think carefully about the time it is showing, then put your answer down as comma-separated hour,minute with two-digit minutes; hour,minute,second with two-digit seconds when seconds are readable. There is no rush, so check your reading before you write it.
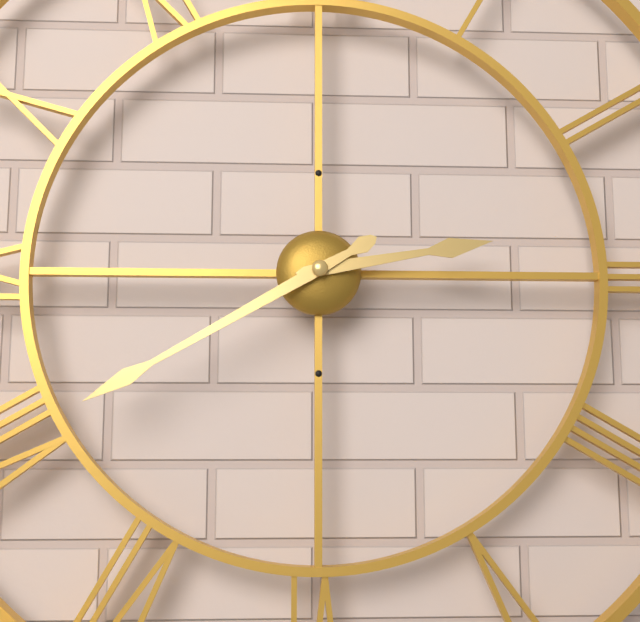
2,40
